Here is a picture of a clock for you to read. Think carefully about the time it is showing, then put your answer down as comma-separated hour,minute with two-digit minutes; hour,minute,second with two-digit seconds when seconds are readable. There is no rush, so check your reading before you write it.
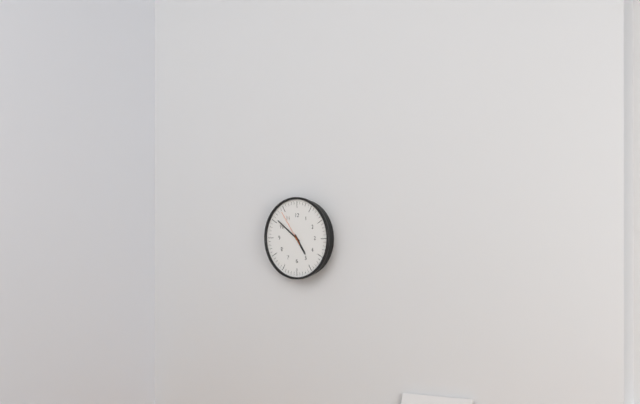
4,51
